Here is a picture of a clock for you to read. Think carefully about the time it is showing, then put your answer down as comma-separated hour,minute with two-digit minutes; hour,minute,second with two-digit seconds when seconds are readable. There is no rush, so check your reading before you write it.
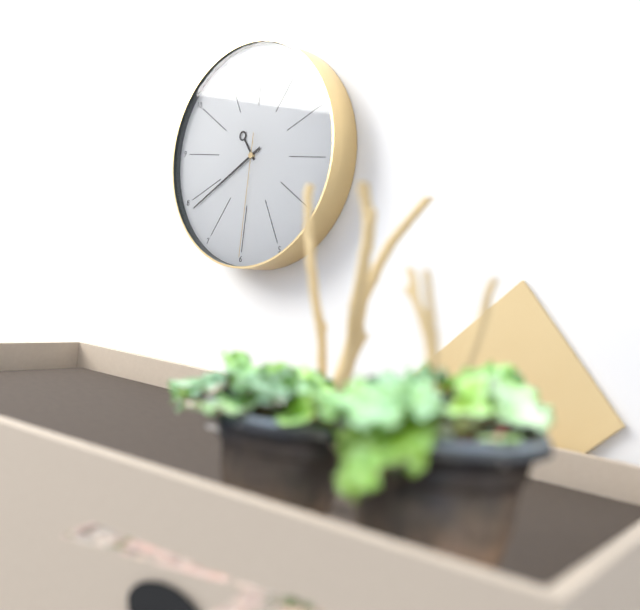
10,39,30
